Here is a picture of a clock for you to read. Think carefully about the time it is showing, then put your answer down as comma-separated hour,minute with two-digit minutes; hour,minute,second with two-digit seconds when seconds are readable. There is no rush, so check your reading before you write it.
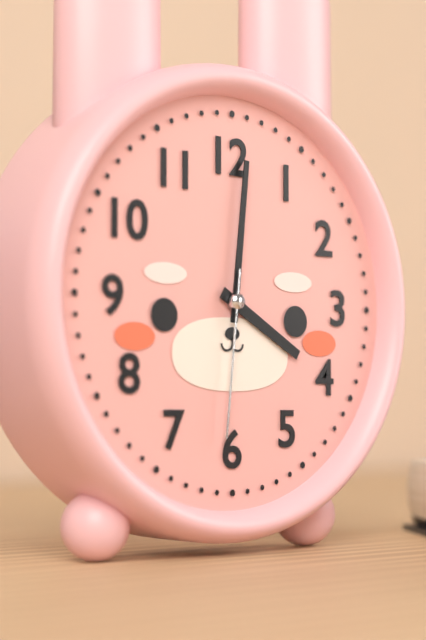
4,01,31
